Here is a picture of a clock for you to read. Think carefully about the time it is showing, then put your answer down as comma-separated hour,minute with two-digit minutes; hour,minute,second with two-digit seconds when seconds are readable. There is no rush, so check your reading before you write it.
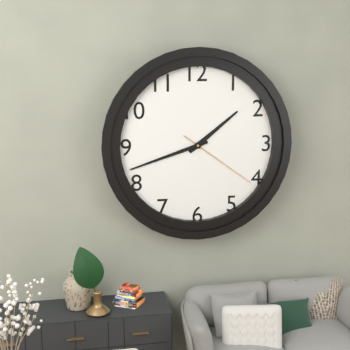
1,42,21
